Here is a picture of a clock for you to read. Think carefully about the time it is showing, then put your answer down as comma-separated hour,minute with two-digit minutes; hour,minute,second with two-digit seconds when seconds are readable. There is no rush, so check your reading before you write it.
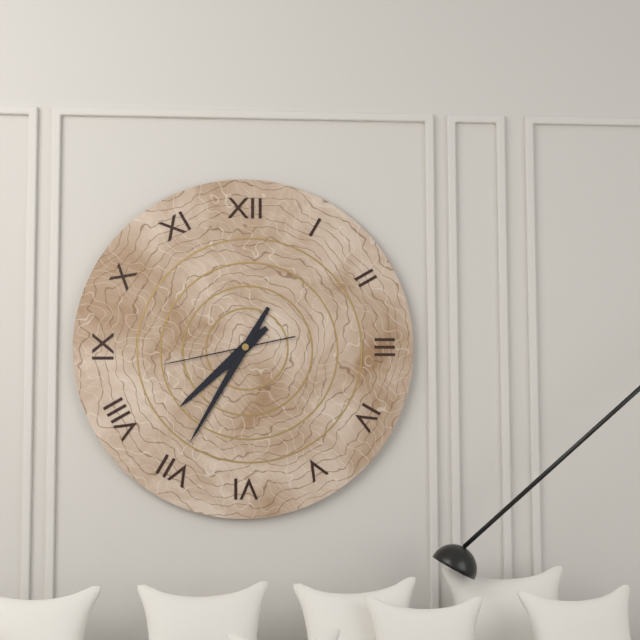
7,35,43
